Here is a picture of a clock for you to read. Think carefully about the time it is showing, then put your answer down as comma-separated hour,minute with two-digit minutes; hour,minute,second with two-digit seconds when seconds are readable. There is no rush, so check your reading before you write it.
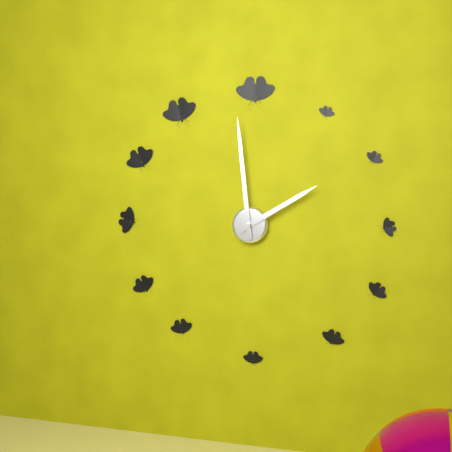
1,59
